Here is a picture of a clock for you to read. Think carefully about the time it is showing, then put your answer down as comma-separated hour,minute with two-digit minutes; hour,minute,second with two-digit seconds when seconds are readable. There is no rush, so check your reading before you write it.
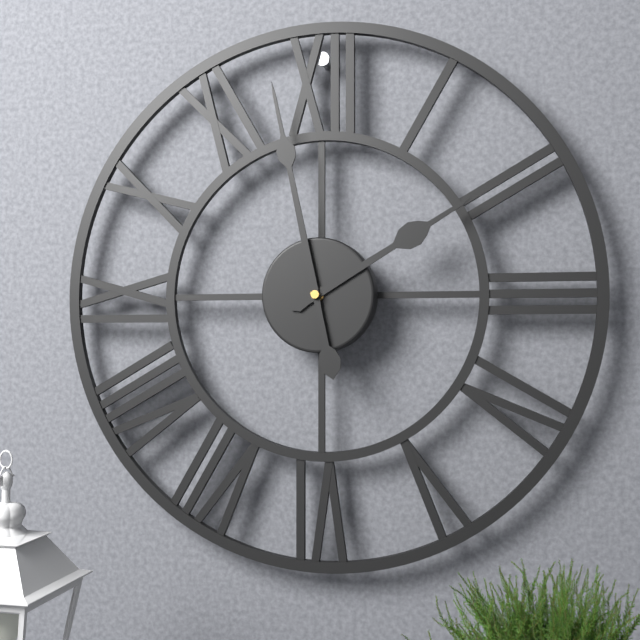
1,58
